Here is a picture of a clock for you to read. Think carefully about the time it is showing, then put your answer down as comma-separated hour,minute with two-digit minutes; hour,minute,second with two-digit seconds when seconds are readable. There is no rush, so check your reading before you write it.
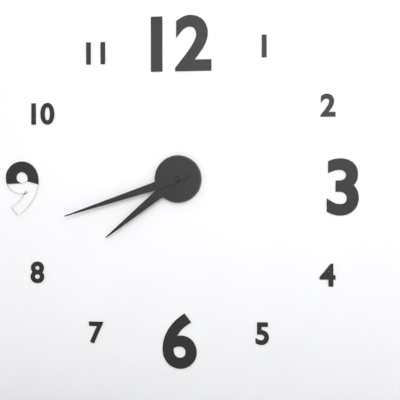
7,42
